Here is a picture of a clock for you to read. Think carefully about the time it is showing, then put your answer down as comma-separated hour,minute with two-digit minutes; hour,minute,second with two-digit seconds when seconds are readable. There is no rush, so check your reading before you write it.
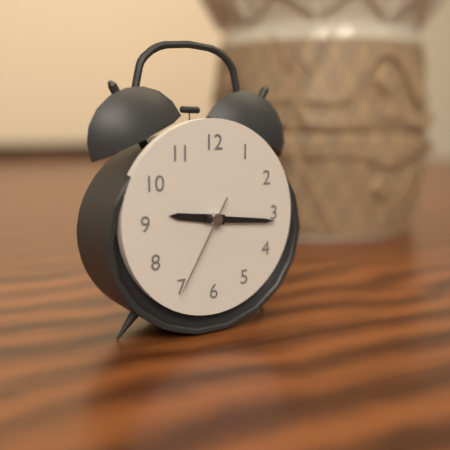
9,16,35
